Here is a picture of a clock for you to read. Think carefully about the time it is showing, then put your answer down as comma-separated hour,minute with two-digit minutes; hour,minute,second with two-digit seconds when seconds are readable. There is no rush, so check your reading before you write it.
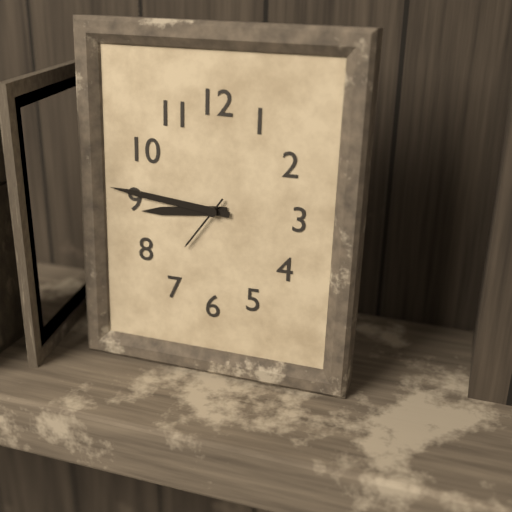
8,46,36
